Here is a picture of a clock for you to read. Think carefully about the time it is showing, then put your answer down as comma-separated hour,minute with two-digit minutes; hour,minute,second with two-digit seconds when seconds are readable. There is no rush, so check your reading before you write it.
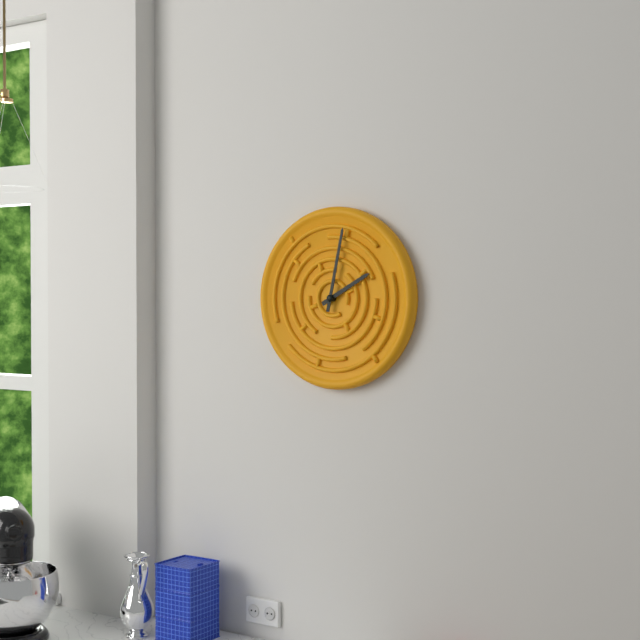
2,02
